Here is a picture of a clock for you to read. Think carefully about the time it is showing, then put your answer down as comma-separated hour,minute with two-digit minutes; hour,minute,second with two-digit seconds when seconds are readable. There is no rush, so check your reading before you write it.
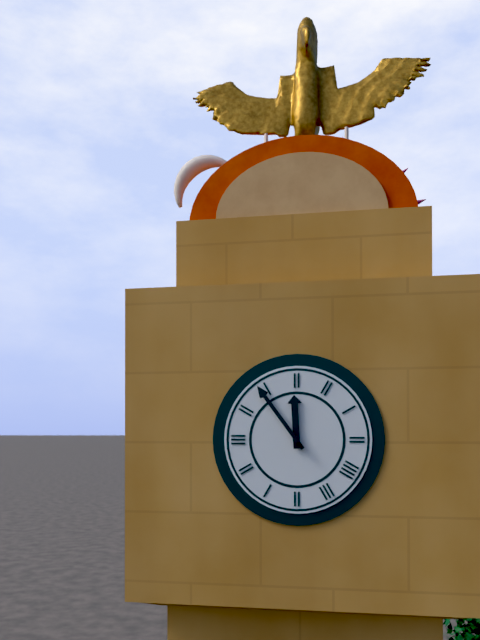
11,54
